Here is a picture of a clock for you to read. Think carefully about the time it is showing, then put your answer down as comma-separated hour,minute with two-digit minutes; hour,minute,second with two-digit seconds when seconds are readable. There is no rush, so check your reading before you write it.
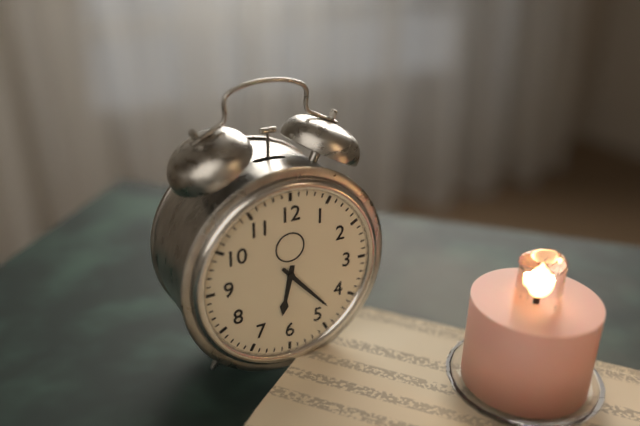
6,23
